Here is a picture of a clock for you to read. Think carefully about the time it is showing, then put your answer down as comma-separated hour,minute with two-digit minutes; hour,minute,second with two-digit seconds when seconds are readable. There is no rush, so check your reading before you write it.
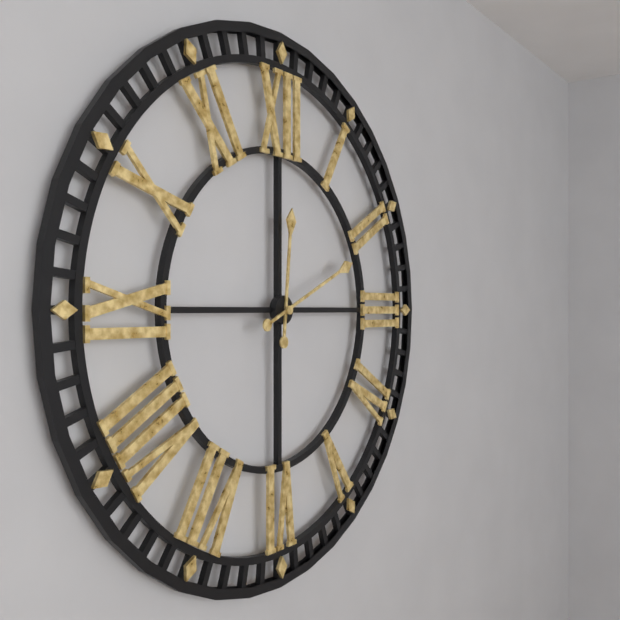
12,11
